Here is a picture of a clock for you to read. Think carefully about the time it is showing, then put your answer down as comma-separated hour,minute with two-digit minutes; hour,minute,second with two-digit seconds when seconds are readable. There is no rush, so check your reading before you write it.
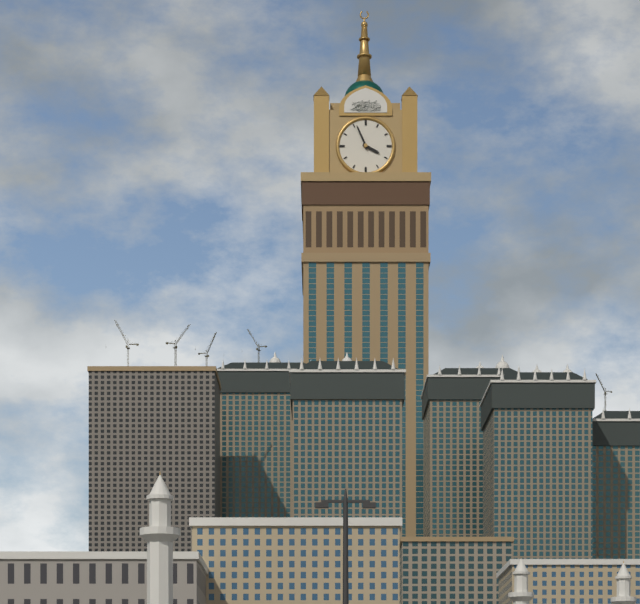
3,56
